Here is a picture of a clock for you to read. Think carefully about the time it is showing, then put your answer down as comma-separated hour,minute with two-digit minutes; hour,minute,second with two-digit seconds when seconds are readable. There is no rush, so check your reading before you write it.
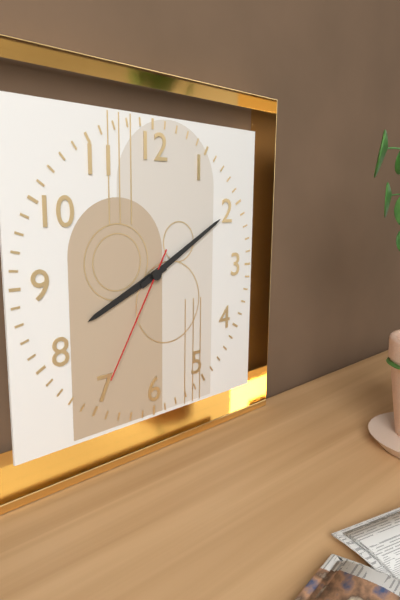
8,10,35
